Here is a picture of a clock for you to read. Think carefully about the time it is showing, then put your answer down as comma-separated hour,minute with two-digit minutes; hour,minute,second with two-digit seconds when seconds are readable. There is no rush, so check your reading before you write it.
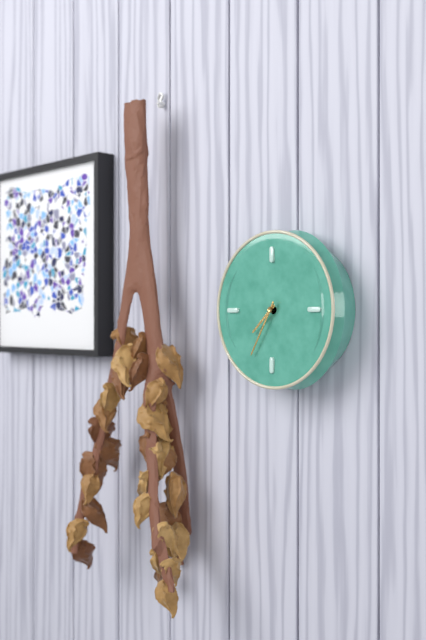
7,35
